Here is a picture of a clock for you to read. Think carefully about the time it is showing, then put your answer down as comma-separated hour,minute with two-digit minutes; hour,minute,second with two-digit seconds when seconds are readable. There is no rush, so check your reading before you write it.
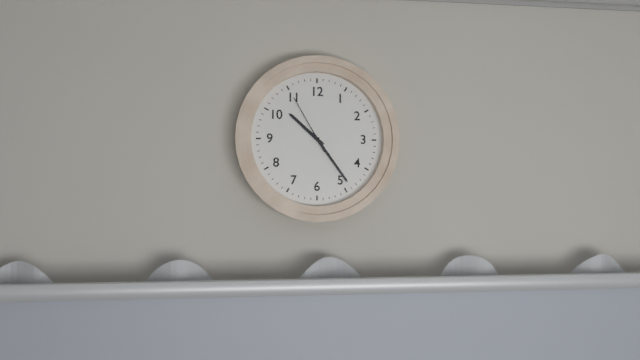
10,24,55
